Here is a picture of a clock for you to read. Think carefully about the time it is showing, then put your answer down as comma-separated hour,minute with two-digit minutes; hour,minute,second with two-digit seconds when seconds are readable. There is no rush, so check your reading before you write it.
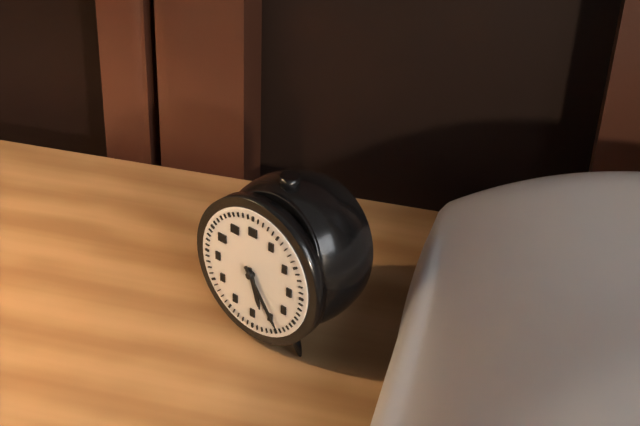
5,24
